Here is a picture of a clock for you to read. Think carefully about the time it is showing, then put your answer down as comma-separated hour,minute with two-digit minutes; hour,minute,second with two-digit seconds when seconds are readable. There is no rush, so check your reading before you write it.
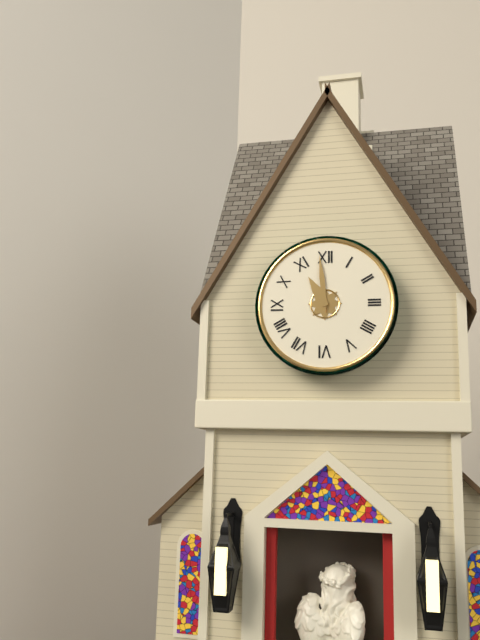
10,59
